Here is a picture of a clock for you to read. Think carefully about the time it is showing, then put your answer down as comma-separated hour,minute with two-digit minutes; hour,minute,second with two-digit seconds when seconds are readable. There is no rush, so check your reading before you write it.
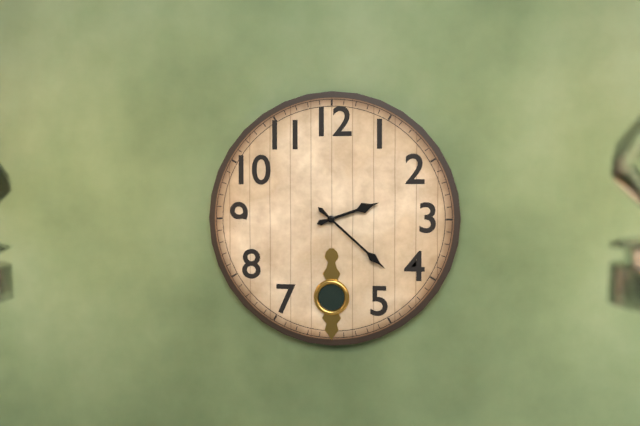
2,22
